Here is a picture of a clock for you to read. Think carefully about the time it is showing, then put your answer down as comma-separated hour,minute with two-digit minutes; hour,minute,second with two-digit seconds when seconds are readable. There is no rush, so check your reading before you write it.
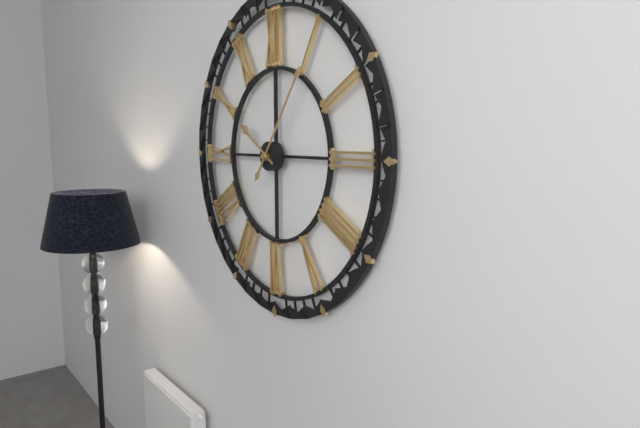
10,06
